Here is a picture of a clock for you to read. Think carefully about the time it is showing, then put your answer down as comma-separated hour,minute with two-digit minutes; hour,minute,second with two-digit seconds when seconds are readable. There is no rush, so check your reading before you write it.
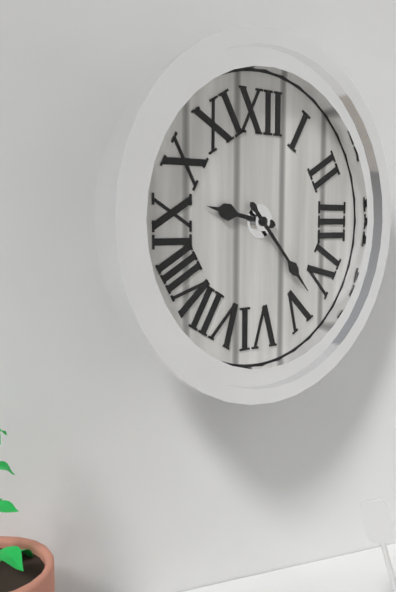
9,23
